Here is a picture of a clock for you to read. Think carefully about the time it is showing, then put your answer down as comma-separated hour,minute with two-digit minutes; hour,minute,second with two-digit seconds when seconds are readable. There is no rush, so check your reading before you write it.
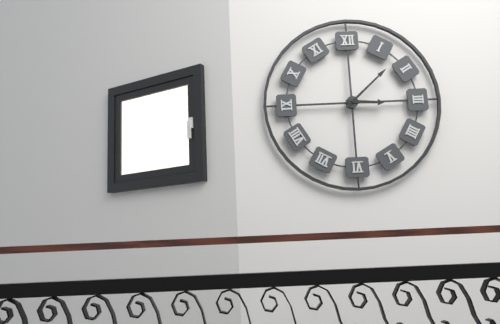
3,08
